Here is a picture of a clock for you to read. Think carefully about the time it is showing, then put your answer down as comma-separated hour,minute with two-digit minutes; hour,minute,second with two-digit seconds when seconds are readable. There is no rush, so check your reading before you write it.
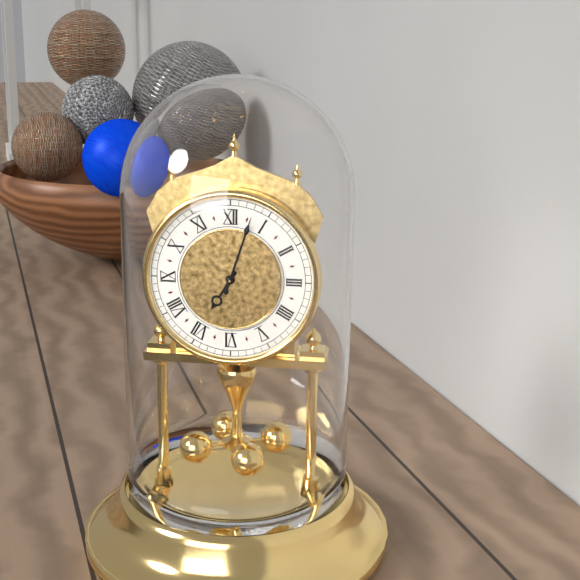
7,03
